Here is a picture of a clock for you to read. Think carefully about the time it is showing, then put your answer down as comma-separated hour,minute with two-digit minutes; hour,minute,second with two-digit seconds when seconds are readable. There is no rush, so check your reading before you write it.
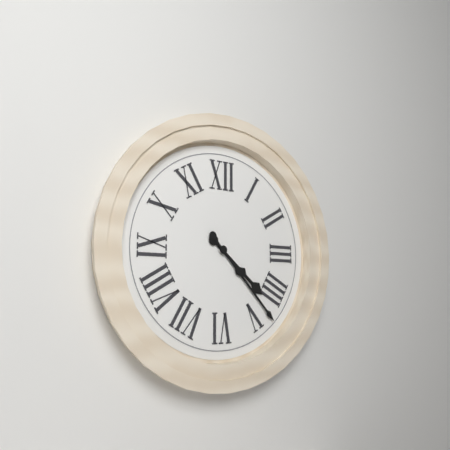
4,23
